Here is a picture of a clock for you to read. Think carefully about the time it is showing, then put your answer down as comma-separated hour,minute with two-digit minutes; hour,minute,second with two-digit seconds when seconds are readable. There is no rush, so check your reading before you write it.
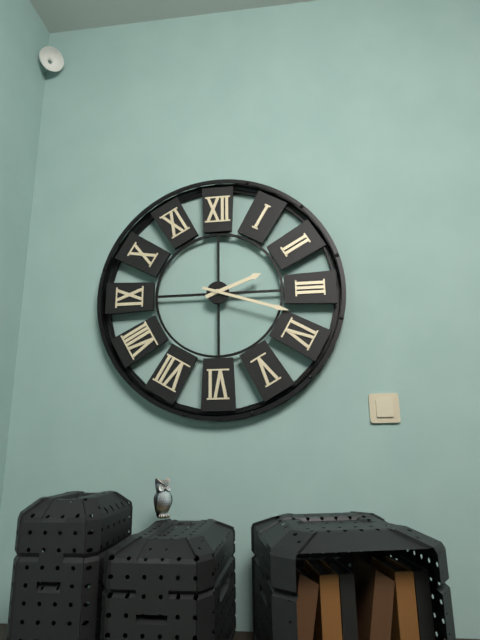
2,18
